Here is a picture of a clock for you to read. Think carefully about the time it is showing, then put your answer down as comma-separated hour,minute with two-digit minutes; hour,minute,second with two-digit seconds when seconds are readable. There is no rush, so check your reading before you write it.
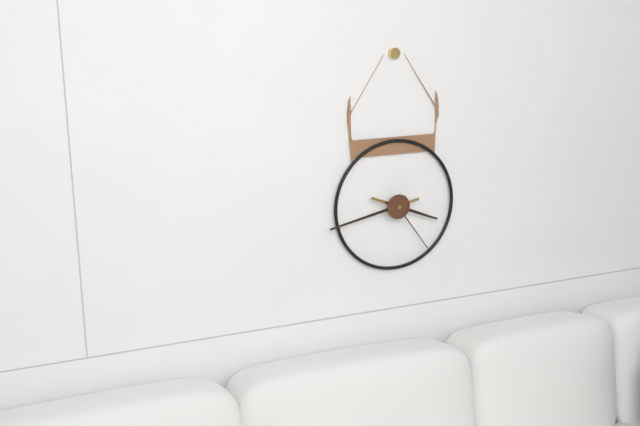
3,43,24
